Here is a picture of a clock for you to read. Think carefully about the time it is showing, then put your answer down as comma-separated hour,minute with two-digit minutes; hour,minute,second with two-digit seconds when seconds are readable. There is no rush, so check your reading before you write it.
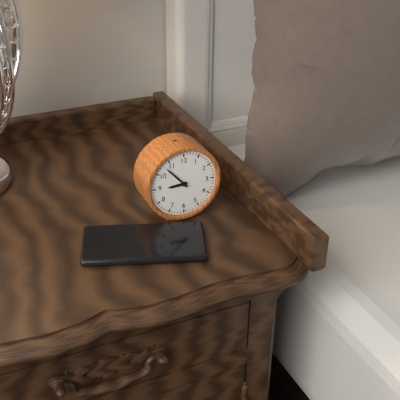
8,53
